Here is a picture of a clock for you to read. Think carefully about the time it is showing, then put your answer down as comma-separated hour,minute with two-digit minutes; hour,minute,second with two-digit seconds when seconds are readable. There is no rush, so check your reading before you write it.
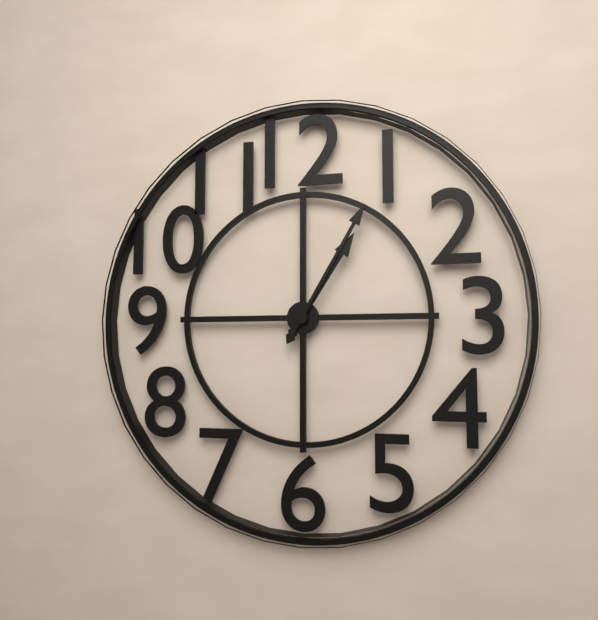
1,05
